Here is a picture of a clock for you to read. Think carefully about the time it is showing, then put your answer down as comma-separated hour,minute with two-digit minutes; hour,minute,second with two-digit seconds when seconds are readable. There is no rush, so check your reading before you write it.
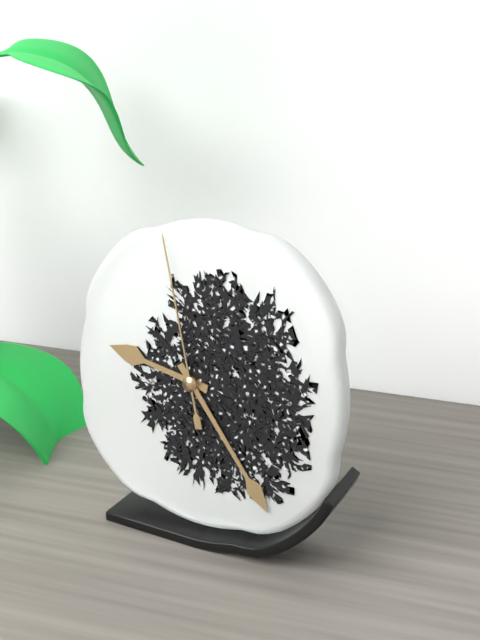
9,24,58
